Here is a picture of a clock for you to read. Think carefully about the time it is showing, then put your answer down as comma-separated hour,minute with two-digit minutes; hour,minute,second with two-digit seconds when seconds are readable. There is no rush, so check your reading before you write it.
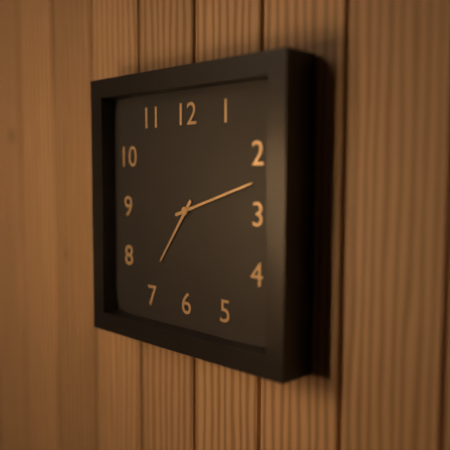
7,12
